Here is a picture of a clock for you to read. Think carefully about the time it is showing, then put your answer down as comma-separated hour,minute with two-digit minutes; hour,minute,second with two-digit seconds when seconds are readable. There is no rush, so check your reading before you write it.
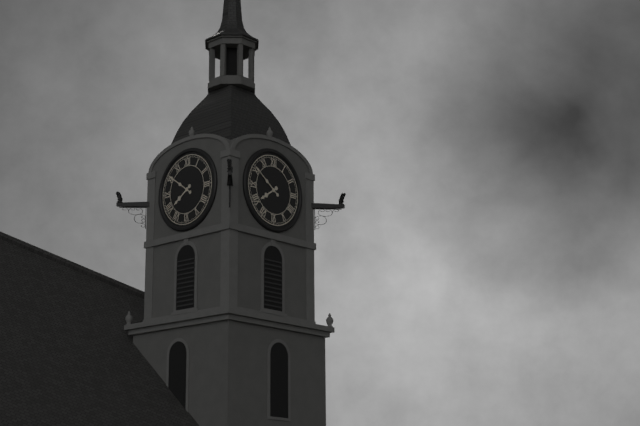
7,51
